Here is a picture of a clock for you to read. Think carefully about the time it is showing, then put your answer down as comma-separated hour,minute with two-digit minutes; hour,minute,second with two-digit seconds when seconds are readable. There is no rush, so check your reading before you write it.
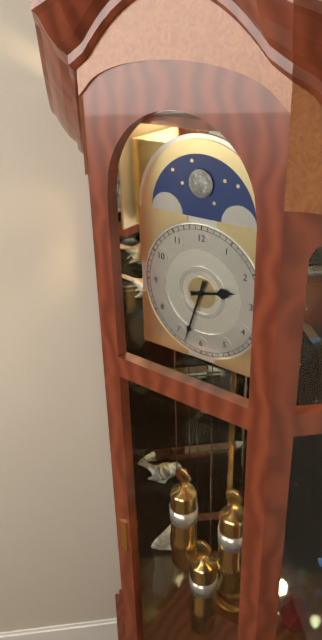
2,33
